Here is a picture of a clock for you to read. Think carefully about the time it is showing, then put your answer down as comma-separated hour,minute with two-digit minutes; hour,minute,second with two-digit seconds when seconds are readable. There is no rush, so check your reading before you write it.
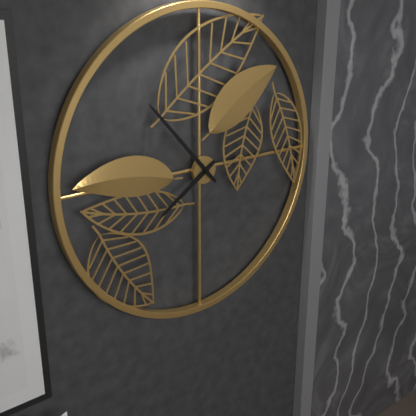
7,53
